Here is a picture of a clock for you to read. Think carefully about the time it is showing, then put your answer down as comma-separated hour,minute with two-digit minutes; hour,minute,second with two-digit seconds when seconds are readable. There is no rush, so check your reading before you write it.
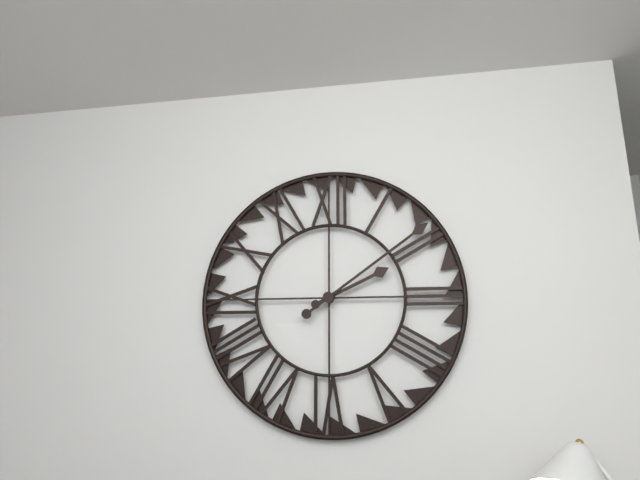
2,09
